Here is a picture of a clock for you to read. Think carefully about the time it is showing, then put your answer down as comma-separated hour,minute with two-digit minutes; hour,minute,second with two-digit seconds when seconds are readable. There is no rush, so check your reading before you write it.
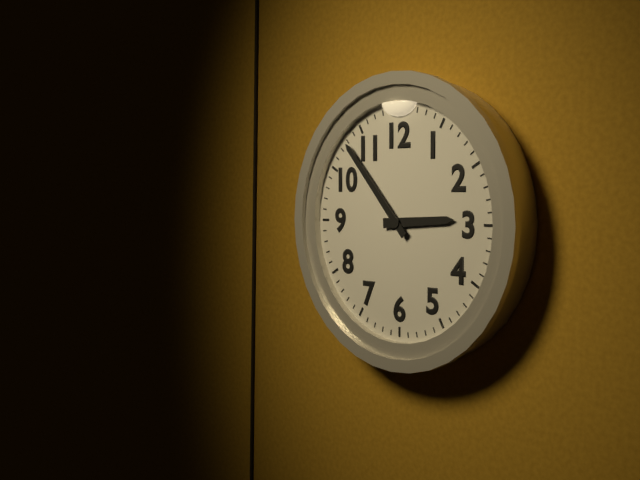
2,53
